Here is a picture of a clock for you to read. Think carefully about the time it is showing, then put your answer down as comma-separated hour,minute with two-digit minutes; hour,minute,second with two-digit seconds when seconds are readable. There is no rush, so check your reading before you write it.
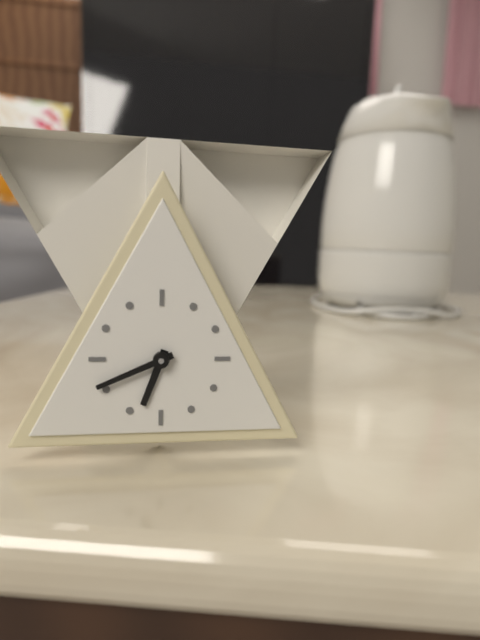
6,41
